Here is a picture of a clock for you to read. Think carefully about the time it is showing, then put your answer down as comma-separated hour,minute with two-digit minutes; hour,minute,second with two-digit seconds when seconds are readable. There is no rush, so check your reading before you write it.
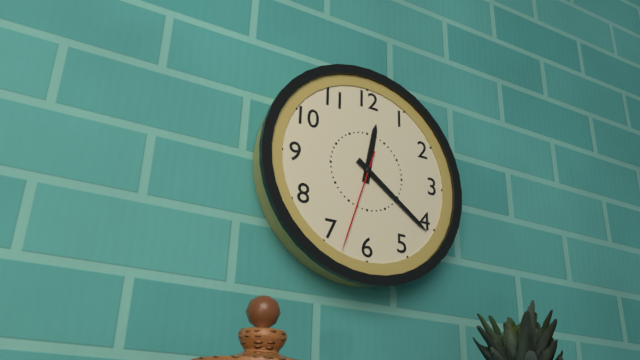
12,21,33
